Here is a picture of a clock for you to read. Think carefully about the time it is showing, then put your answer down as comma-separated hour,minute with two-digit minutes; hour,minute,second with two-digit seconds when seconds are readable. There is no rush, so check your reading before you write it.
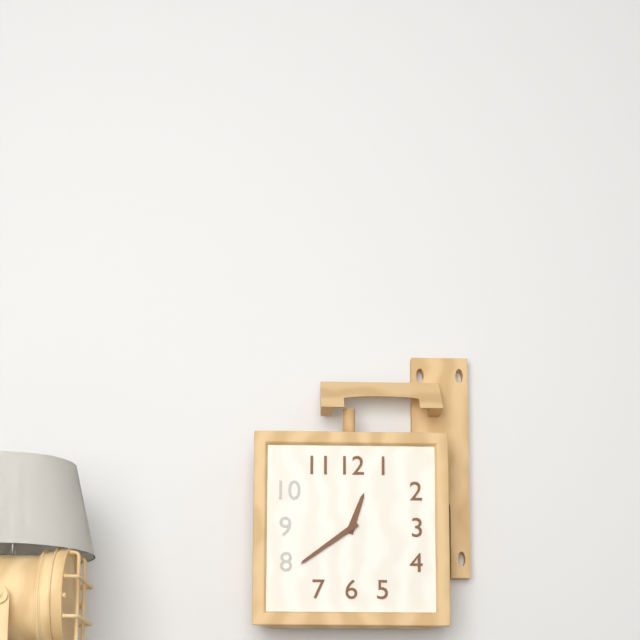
12,39
